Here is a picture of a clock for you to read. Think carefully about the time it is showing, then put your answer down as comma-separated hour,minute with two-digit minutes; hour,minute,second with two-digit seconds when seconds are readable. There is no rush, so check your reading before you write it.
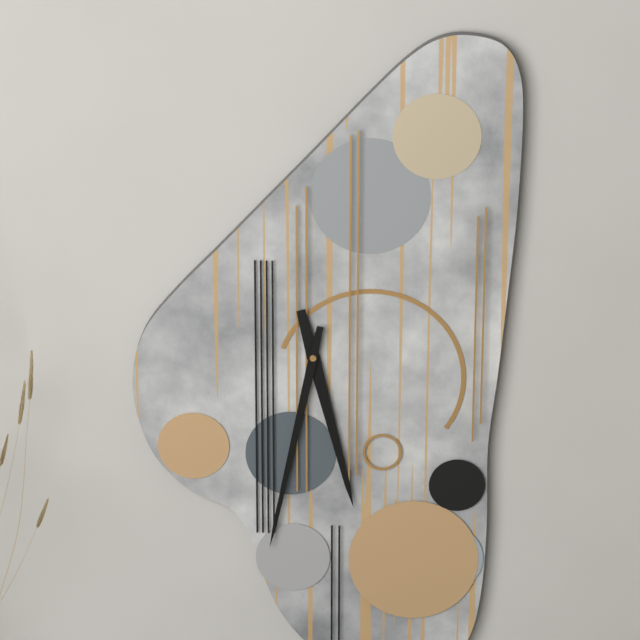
5,32
